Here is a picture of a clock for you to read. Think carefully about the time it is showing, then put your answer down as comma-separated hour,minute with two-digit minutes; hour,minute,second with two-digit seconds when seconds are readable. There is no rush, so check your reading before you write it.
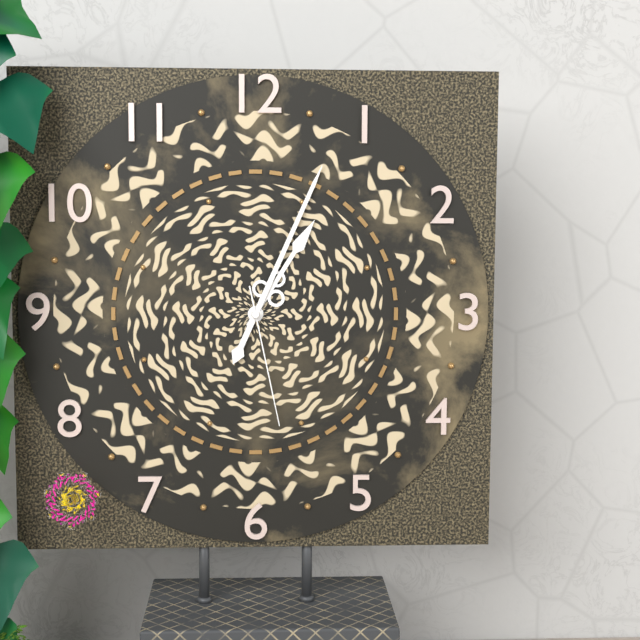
1,04,28
